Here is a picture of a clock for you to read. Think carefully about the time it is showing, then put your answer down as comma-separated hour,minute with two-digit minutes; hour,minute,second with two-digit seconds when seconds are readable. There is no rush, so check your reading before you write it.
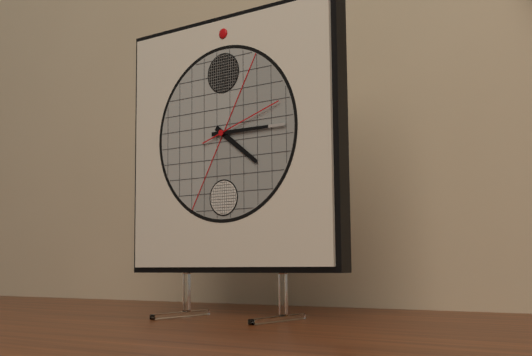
4,15,12
